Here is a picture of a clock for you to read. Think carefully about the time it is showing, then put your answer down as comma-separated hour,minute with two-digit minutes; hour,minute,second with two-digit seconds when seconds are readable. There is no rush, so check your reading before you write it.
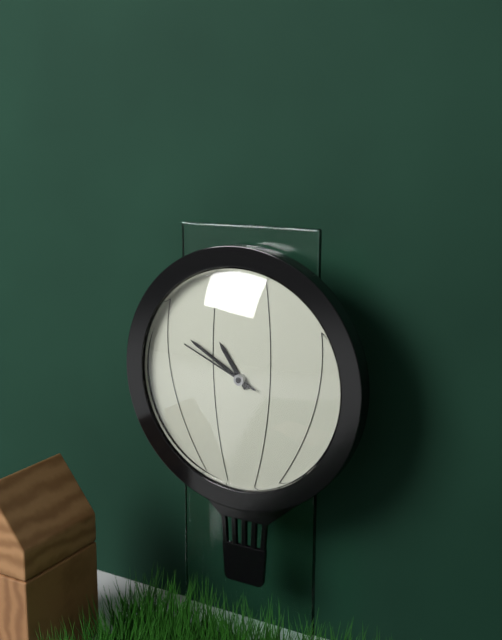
10,50,49
